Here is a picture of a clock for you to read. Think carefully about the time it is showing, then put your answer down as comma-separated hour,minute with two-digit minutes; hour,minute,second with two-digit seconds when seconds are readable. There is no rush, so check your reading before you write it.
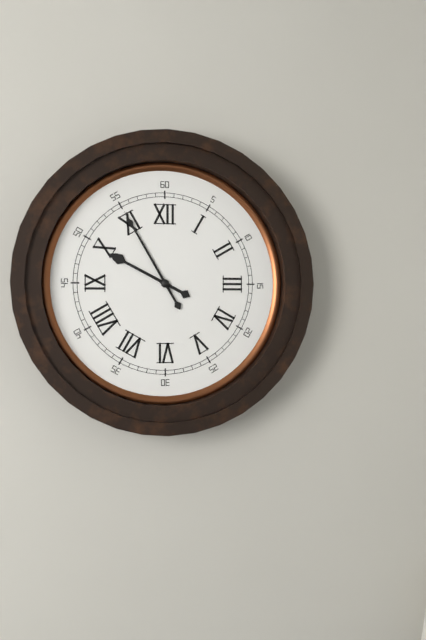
9,55
